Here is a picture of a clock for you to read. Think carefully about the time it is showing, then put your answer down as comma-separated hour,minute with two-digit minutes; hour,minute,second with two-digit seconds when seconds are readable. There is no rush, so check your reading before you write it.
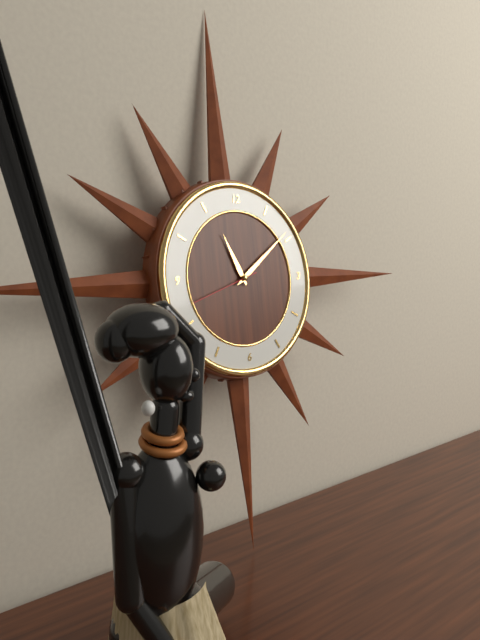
11,09,42
